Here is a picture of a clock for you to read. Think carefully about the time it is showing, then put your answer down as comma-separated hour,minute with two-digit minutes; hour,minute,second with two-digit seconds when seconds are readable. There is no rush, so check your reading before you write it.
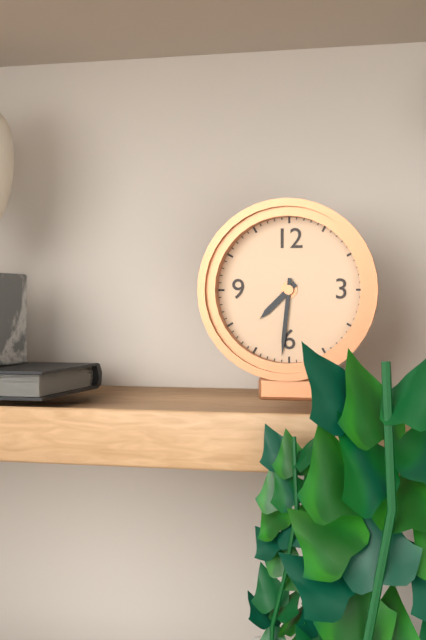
7,31
